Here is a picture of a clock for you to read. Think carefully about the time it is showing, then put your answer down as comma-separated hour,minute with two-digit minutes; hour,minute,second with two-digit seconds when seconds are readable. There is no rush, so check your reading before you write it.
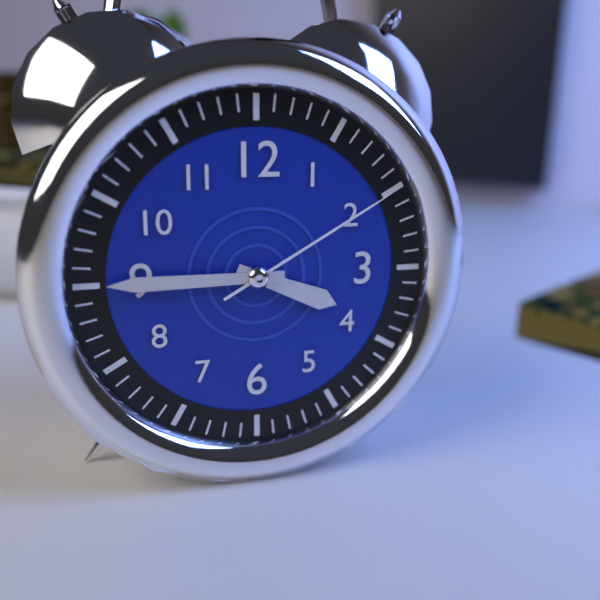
3,45,10
